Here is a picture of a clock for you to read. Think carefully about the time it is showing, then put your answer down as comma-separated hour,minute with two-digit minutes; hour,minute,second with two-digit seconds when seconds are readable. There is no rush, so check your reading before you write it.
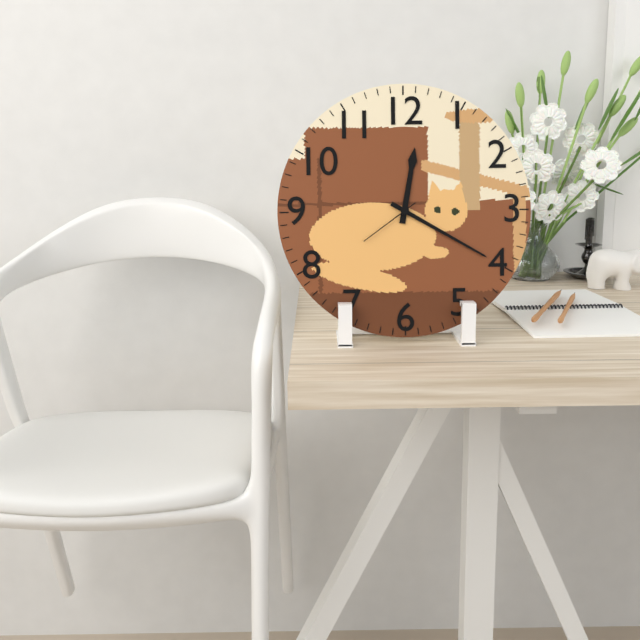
12,20,39
